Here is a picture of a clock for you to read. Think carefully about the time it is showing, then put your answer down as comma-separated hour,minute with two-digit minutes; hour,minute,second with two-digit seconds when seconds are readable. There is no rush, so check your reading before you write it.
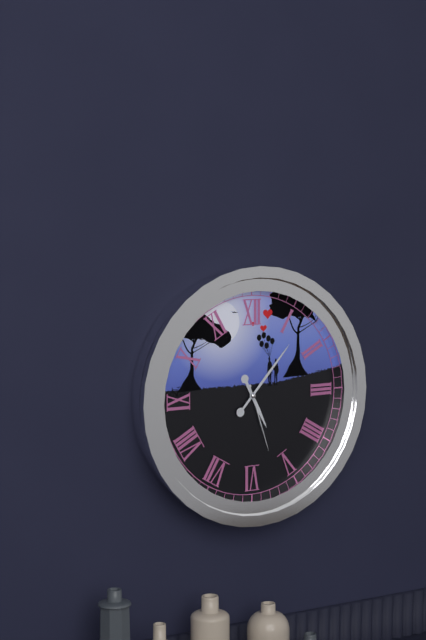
5,07,27
